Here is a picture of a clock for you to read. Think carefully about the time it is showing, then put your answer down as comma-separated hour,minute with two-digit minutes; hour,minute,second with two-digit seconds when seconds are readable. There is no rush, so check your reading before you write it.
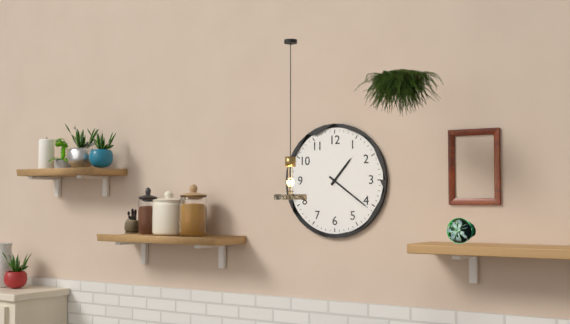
1,21
